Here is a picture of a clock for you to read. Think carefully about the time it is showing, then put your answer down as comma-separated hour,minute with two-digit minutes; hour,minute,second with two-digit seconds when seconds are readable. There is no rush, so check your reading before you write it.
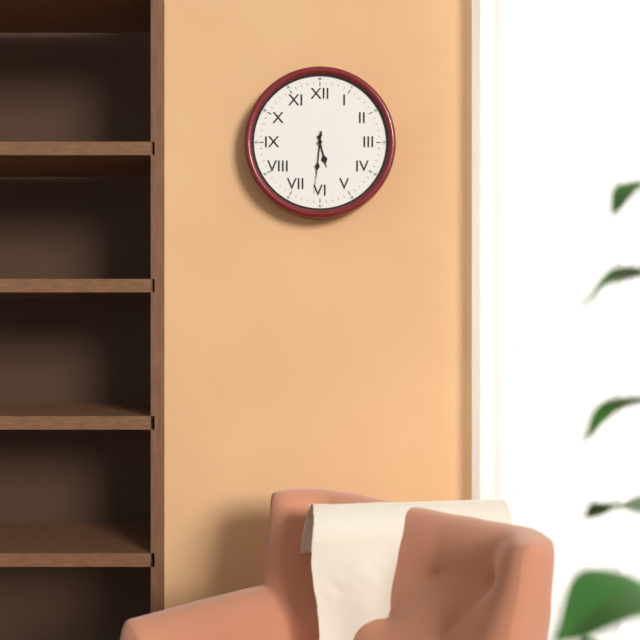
5,31,31
